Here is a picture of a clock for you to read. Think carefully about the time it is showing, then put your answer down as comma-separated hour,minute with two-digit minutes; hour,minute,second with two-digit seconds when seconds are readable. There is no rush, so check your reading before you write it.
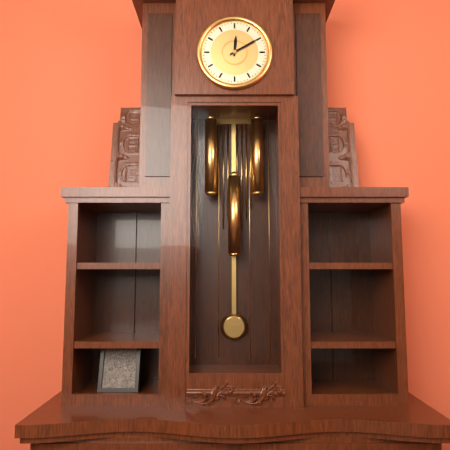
12,10
